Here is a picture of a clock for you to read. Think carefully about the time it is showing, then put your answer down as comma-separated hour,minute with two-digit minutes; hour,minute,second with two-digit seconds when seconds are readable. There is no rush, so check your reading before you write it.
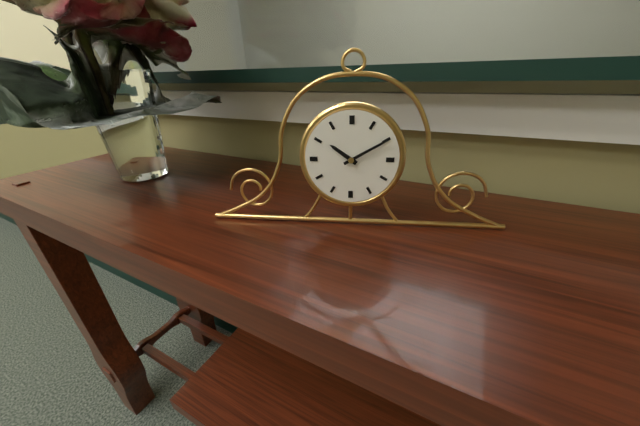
10,10
